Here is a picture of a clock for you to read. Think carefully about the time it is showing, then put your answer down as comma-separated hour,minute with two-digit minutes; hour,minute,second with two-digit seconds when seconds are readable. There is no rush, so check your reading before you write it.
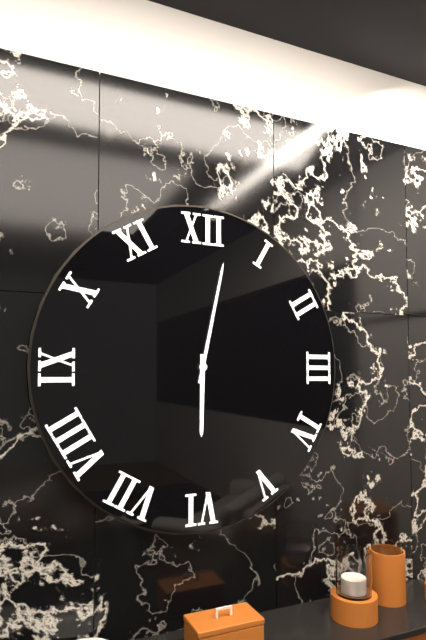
6,02
